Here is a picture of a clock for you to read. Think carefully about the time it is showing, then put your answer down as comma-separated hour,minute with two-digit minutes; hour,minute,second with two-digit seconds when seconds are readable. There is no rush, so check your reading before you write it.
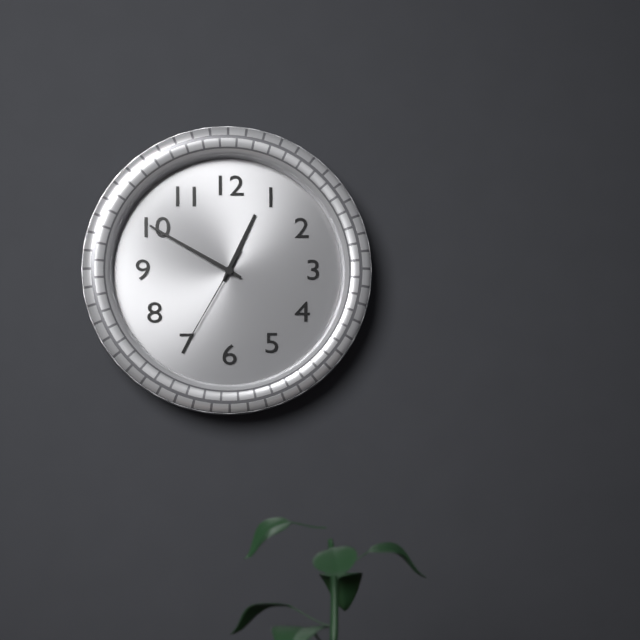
12,50,35
